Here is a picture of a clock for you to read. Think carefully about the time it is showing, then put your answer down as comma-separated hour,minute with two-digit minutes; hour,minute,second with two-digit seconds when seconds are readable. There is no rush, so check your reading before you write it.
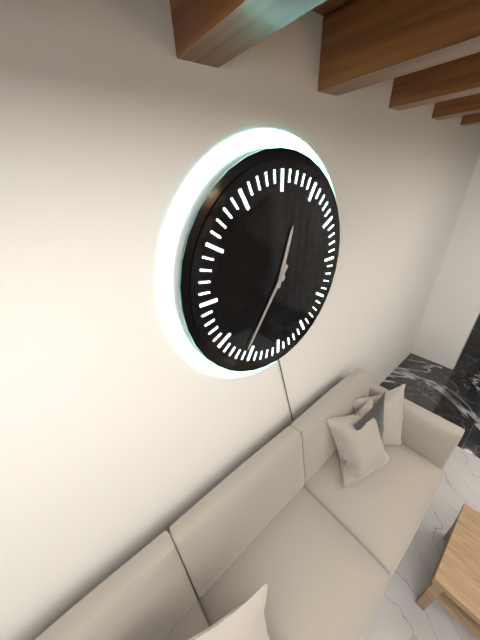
12,36
